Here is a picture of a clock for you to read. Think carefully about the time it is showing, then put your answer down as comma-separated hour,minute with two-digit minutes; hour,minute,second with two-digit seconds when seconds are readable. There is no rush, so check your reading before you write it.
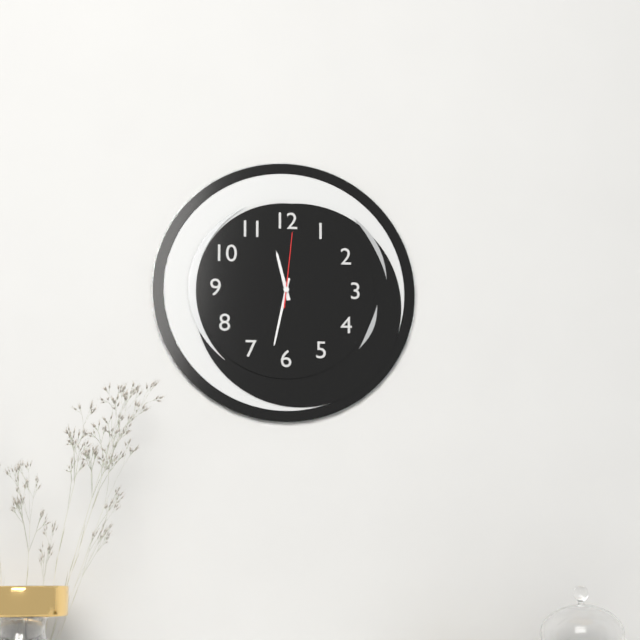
11,32,01
